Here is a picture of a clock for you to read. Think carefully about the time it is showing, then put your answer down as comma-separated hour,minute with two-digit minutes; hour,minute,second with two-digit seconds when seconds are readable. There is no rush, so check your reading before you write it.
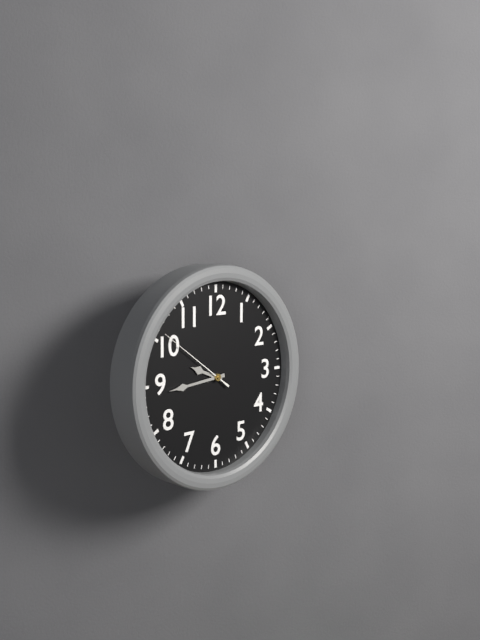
9,44,51
